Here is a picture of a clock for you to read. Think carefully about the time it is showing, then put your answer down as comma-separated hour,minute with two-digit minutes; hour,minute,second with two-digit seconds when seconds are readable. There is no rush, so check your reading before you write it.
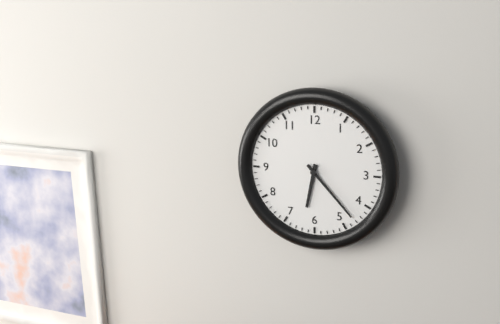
6,23
